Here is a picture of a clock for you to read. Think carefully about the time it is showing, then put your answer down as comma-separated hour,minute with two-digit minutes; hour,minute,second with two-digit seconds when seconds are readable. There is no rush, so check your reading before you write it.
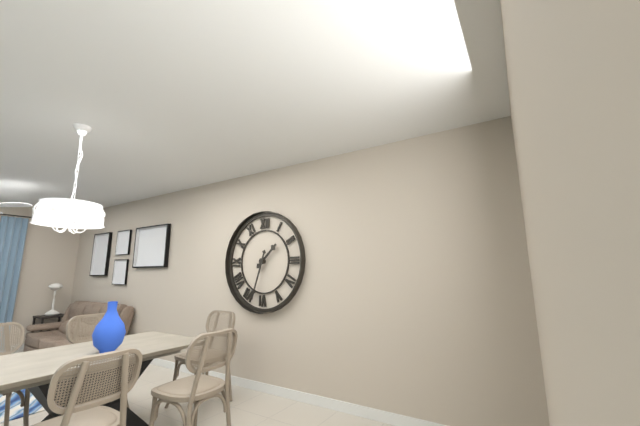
1,33
